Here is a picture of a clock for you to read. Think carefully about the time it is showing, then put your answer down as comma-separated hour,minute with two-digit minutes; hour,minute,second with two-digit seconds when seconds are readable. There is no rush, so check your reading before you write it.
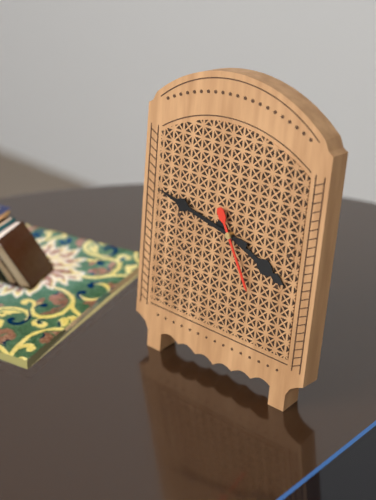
3,47,25
